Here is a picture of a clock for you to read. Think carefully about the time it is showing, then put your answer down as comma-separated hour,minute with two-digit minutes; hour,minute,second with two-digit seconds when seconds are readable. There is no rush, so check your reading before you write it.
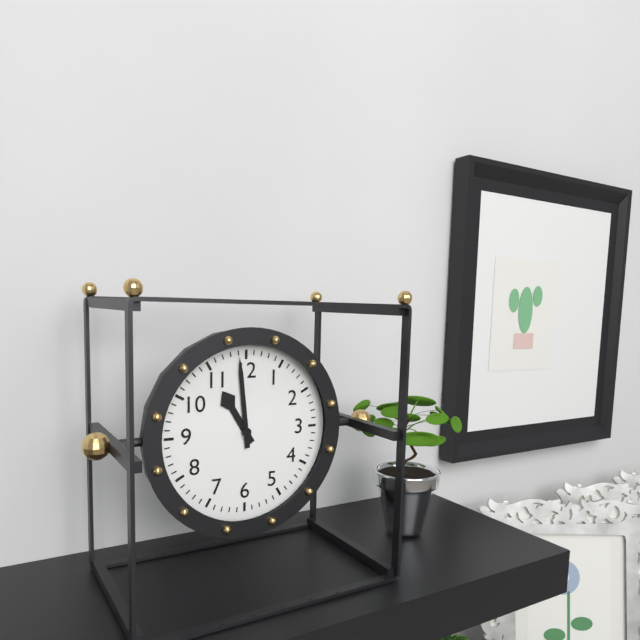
10,59
